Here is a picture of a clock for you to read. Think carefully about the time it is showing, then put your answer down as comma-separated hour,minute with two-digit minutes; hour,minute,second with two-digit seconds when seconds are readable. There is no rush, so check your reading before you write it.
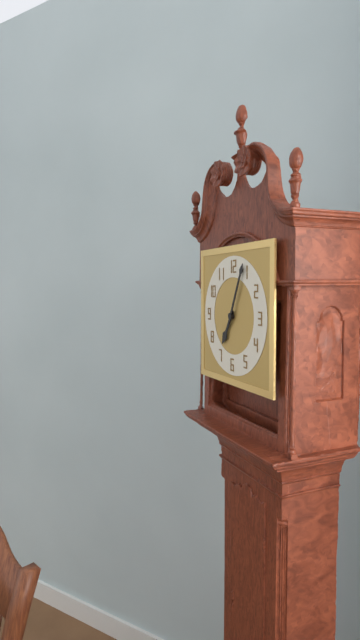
7,04
